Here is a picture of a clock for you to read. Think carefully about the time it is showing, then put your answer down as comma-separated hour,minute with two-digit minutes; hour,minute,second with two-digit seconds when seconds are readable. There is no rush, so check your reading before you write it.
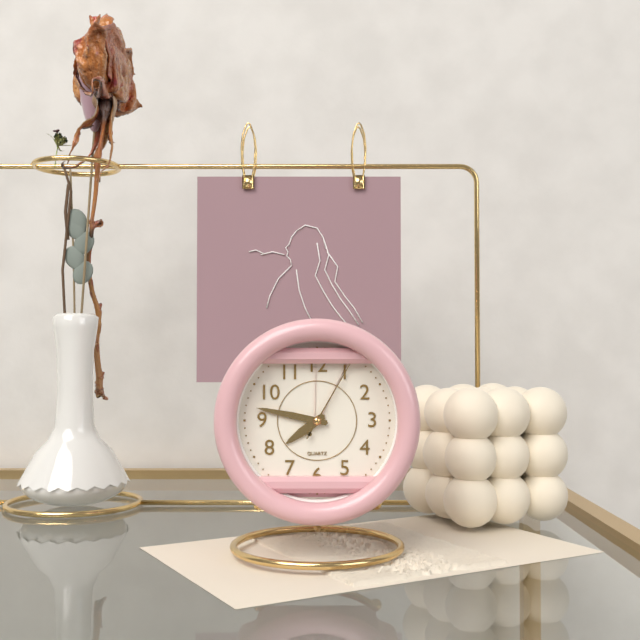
7,47,05
